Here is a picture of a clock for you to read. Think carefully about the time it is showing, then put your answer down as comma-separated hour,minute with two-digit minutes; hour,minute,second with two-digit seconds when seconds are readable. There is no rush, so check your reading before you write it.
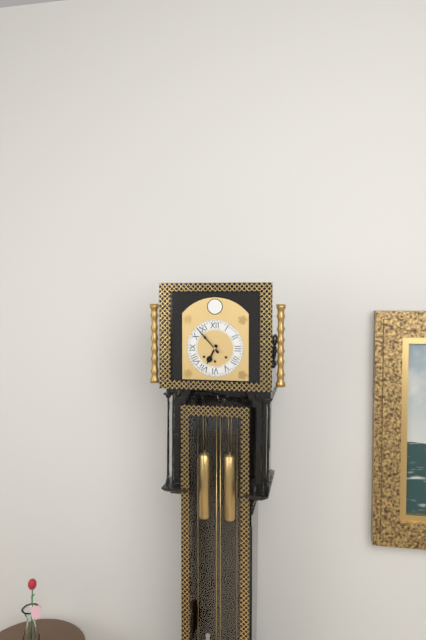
6,53
